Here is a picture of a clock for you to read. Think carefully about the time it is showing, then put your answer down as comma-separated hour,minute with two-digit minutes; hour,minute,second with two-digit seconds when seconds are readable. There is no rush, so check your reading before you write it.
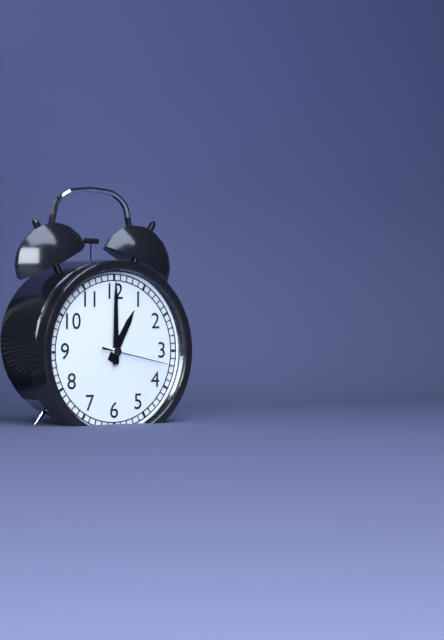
1,00,17
